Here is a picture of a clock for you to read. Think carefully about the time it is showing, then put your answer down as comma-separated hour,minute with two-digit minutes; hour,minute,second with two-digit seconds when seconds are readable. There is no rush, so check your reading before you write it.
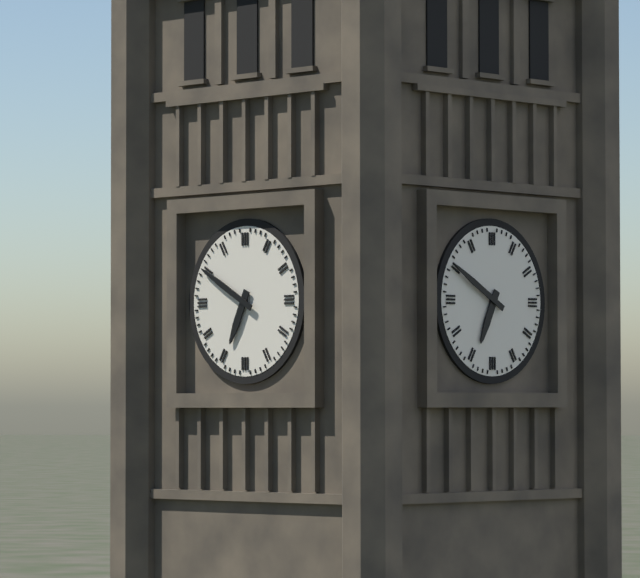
6,50
